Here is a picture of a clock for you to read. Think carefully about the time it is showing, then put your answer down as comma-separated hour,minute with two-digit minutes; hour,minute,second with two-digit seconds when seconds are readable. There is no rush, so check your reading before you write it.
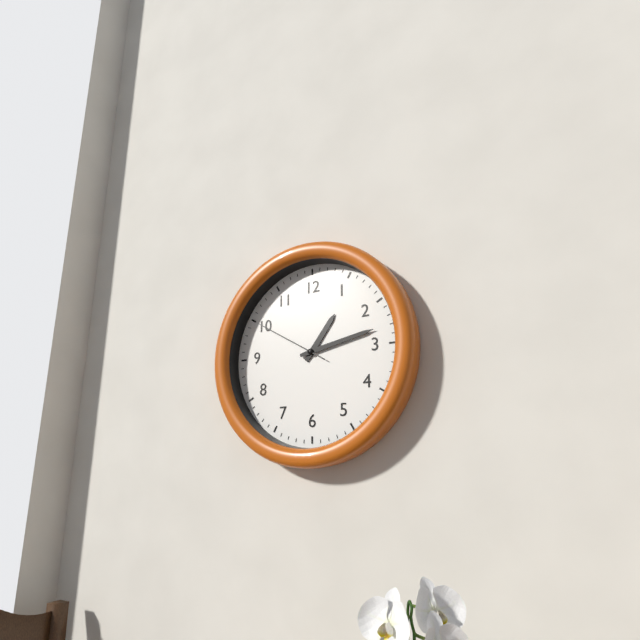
1,13,50
